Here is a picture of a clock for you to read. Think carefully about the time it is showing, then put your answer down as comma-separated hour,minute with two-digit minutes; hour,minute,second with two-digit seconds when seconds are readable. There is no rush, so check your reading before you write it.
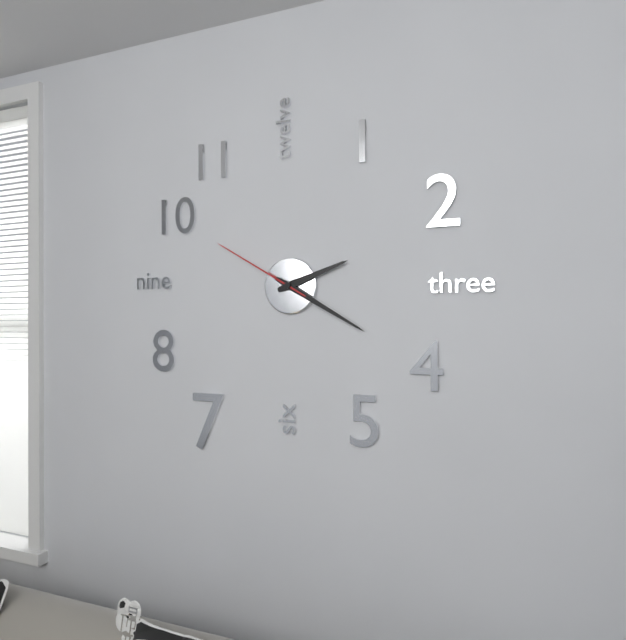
2,20,50
